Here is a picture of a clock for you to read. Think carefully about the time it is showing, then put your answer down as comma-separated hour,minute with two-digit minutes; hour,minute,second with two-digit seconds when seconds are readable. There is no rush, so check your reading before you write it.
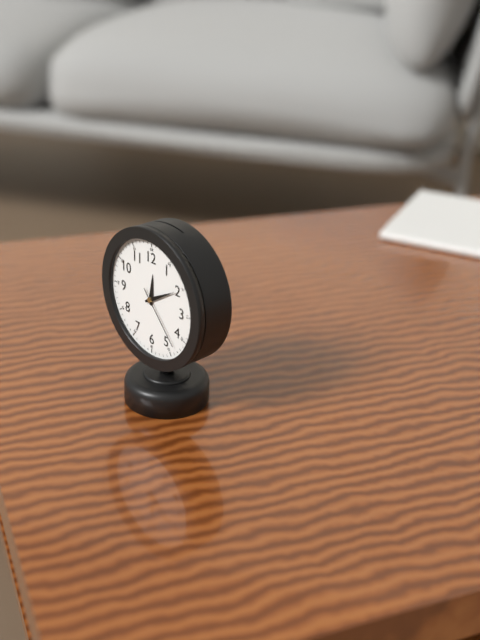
12,10,23
